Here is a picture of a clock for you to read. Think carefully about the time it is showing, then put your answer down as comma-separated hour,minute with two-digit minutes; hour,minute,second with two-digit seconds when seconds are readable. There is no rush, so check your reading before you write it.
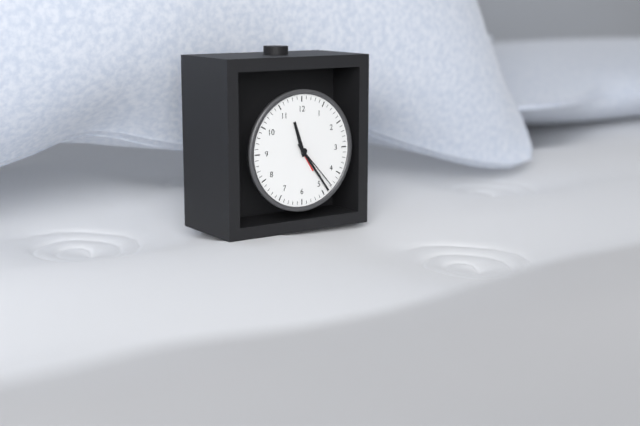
11,24,23
